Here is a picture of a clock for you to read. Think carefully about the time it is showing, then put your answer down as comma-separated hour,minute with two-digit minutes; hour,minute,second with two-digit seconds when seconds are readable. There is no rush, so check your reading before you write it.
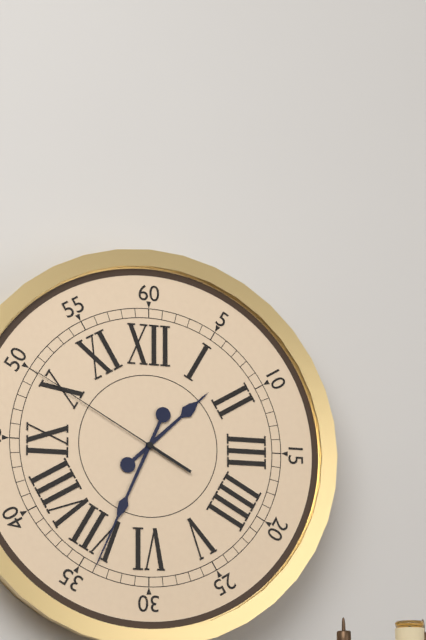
1,34,50
